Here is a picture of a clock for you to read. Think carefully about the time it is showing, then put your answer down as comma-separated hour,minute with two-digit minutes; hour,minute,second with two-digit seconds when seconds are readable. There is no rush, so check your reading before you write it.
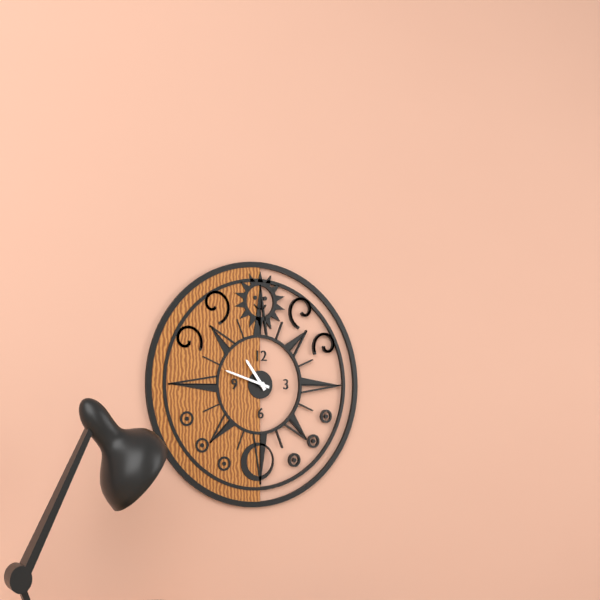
10,48
